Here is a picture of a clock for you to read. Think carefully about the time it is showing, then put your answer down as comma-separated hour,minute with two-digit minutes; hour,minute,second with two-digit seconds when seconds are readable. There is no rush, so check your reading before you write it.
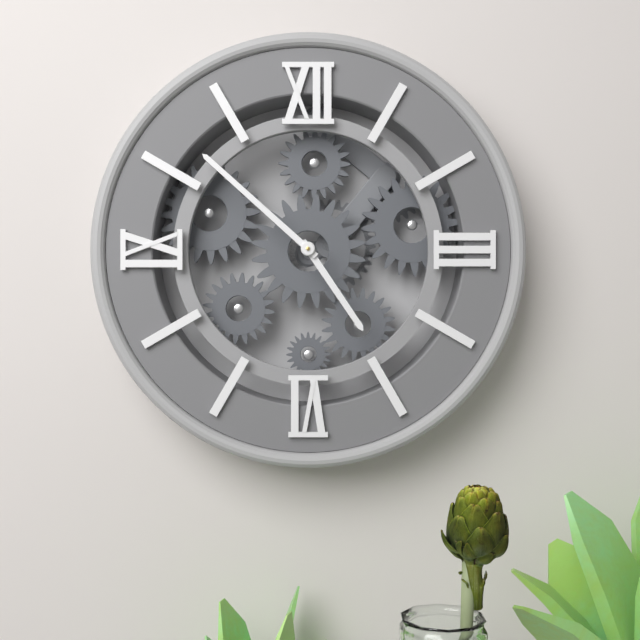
4,52
